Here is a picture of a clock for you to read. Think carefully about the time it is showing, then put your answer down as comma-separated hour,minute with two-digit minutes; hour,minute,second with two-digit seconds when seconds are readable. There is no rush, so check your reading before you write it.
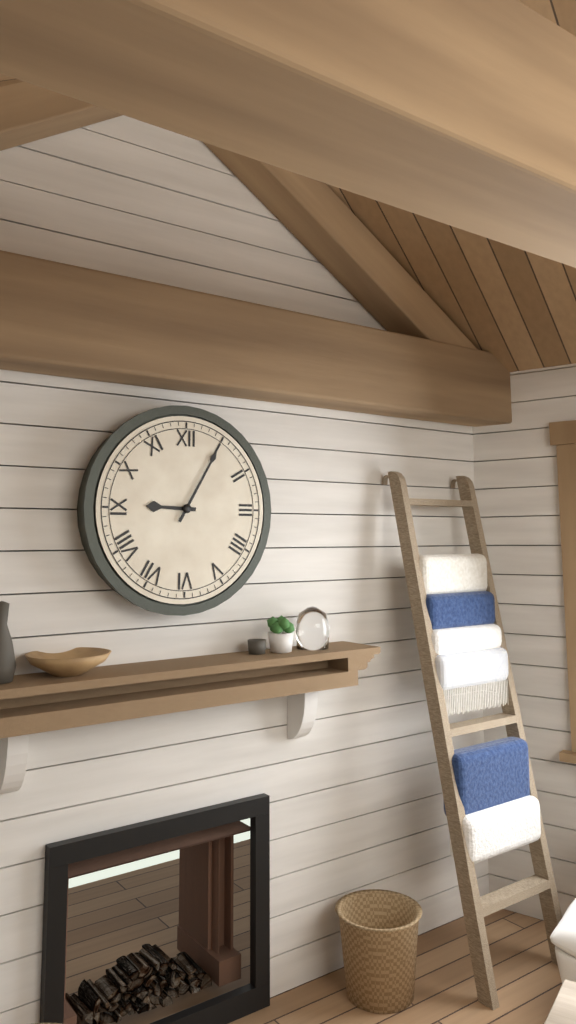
9,05
